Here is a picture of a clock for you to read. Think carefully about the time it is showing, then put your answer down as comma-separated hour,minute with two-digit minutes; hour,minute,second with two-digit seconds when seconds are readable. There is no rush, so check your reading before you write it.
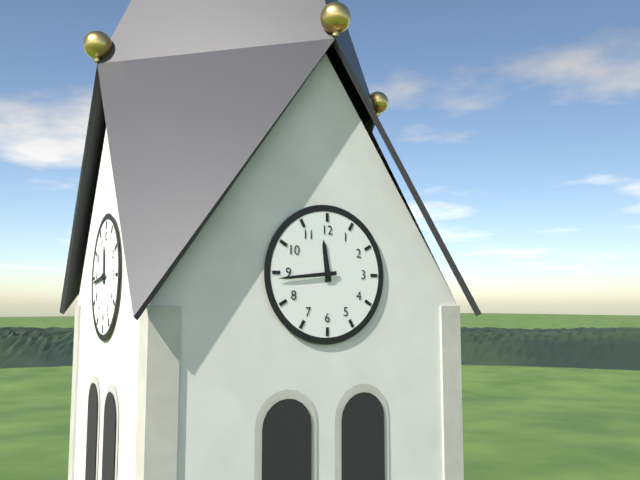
11,44
